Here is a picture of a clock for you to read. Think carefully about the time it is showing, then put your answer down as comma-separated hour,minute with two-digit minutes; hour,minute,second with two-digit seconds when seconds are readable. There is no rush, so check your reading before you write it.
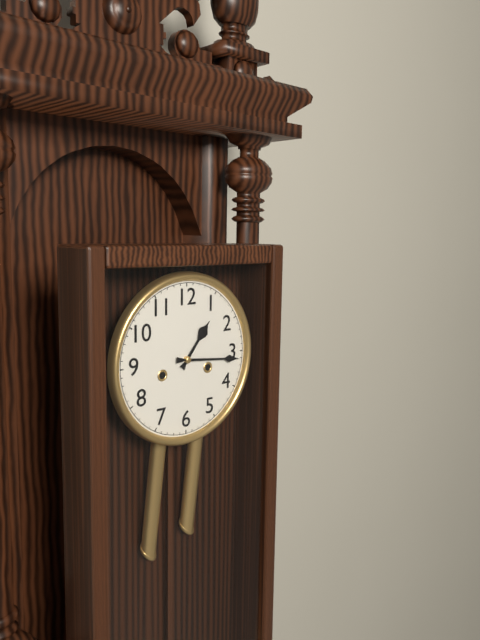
1,16
